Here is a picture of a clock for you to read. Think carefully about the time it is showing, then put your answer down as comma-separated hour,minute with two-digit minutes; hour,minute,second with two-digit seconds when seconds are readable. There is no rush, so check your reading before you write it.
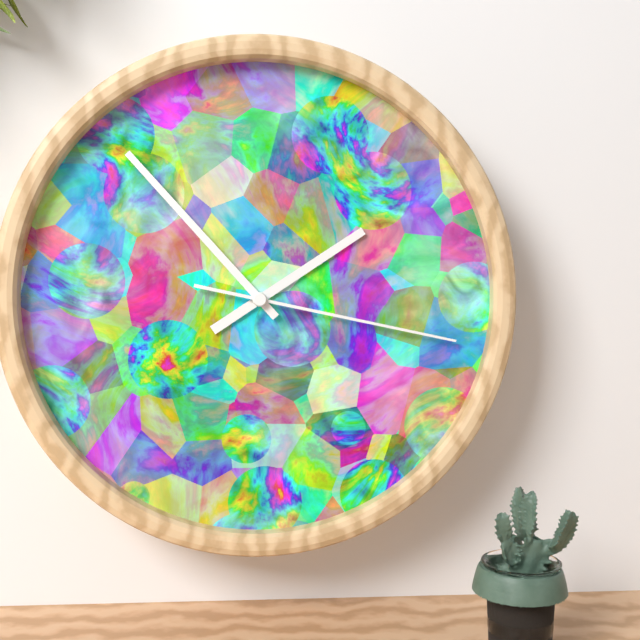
1,53,17
